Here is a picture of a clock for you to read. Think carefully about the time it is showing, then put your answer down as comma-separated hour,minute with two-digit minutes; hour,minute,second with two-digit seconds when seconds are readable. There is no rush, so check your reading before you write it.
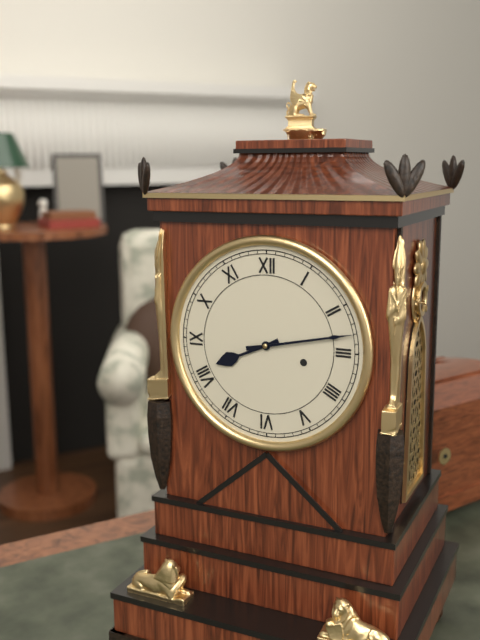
8,13
